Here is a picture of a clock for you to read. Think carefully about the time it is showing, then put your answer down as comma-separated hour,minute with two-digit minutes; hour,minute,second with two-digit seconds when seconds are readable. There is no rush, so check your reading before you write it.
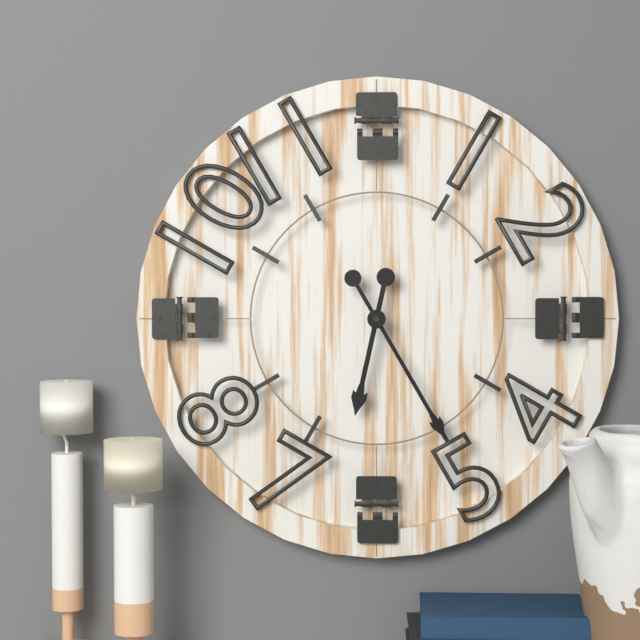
6,25
